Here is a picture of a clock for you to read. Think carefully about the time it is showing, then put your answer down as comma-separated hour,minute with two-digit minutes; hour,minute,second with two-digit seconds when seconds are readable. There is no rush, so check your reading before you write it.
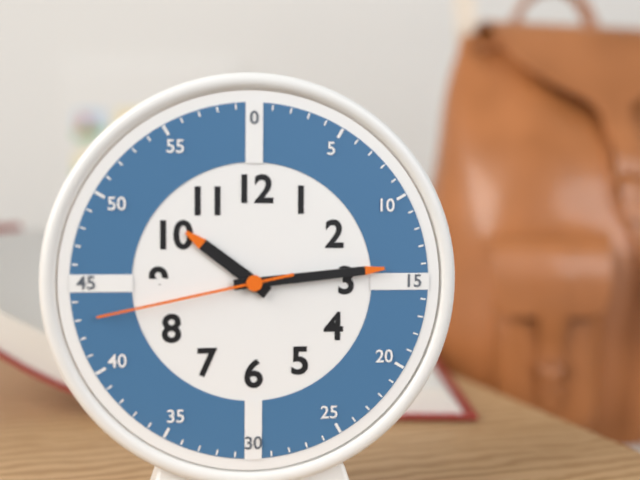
10,14,43
